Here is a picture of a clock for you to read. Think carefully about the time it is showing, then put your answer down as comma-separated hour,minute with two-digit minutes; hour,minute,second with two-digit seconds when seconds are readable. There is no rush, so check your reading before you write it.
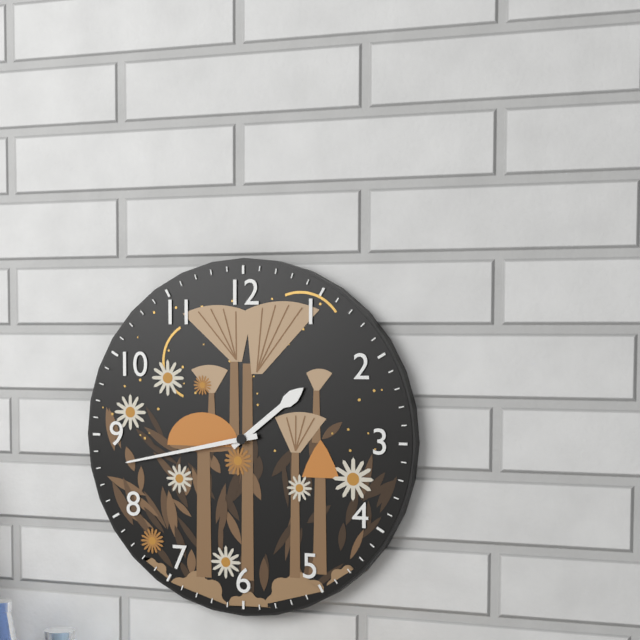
1,43
